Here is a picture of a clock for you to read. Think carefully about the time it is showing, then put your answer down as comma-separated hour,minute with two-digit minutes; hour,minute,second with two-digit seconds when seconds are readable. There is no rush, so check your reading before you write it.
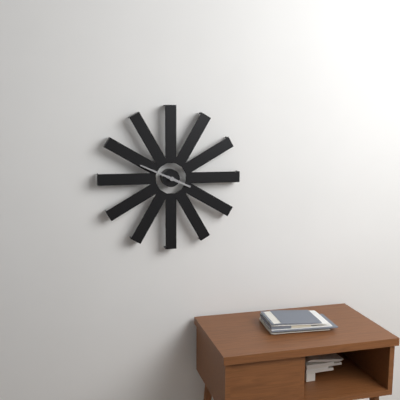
3,49
